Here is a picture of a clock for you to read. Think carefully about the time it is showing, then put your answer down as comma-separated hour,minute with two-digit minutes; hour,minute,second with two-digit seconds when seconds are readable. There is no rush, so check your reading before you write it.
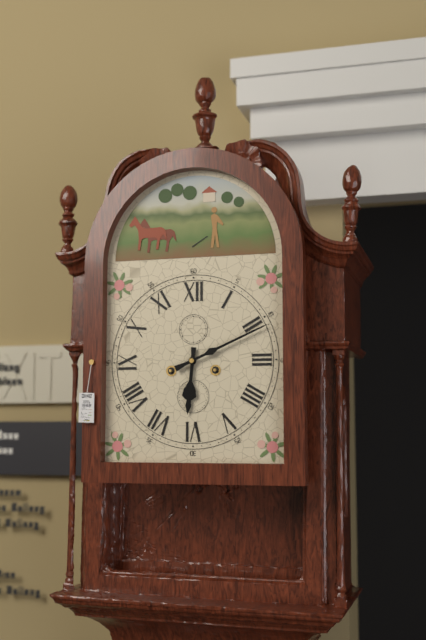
6,11
